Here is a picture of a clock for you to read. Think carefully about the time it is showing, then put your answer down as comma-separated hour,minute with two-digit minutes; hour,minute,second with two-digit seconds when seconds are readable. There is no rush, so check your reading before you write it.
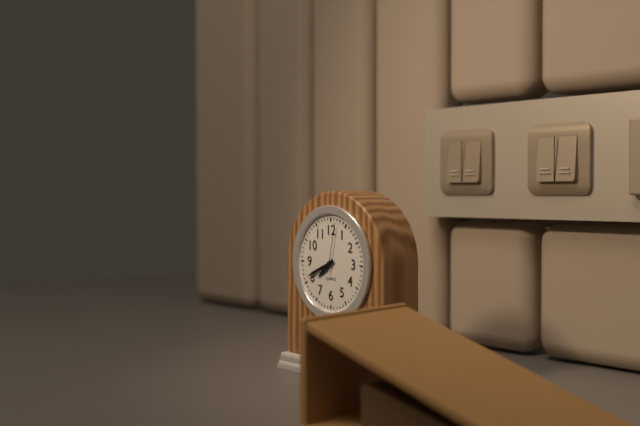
7,41,02
